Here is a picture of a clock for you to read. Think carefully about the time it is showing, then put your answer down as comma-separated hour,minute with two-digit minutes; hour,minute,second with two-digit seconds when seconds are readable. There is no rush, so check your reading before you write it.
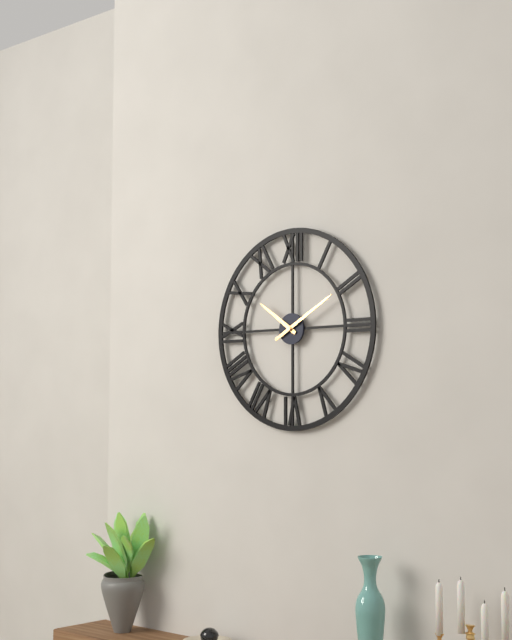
10,10
